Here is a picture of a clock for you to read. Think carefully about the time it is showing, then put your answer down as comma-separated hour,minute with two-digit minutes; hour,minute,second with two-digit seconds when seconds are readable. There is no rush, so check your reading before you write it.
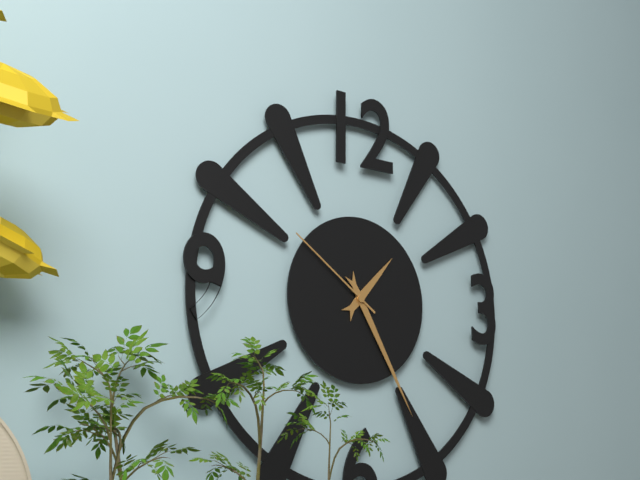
1,25,51
